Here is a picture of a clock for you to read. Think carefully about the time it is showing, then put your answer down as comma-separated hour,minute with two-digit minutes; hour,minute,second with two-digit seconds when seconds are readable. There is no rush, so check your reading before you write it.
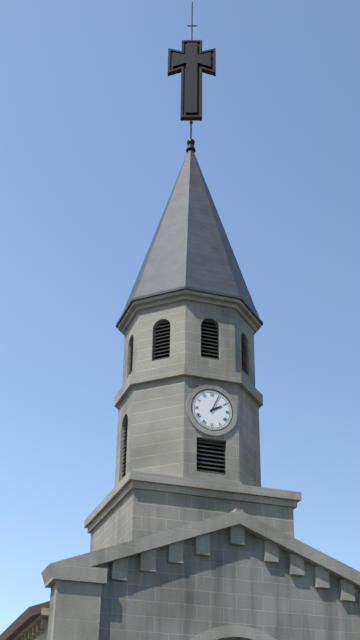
2,04
